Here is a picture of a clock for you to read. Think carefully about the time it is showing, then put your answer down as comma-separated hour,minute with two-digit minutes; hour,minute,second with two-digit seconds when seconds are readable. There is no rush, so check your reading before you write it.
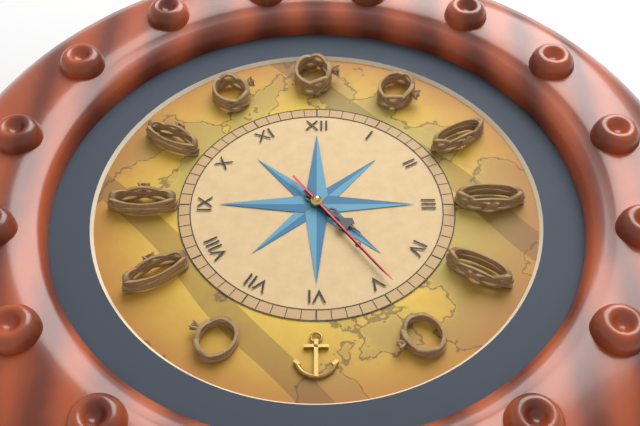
4,24,24
